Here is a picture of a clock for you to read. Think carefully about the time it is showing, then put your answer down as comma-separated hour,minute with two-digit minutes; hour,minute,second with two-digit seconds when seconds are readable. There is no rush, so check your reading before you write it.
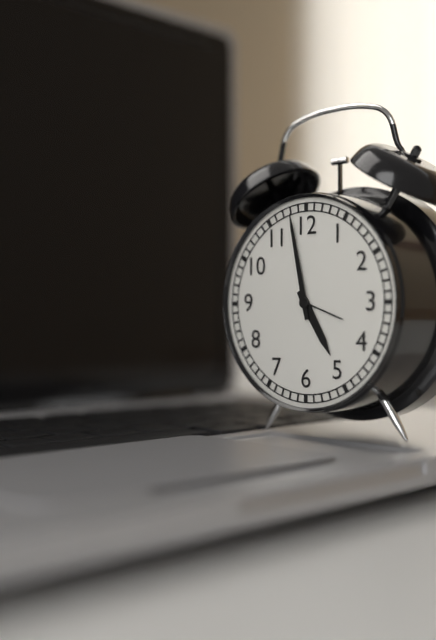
4,58
